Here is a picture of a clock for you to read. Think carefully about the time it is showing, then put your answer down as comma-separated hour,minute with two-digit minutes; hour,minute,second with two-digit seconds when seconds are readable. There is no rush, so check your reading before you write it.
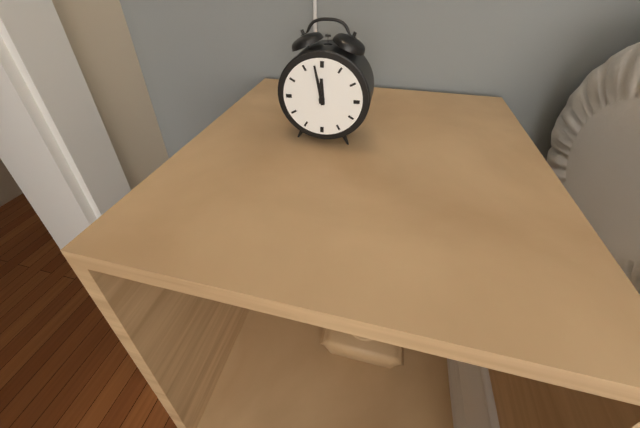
11,58
